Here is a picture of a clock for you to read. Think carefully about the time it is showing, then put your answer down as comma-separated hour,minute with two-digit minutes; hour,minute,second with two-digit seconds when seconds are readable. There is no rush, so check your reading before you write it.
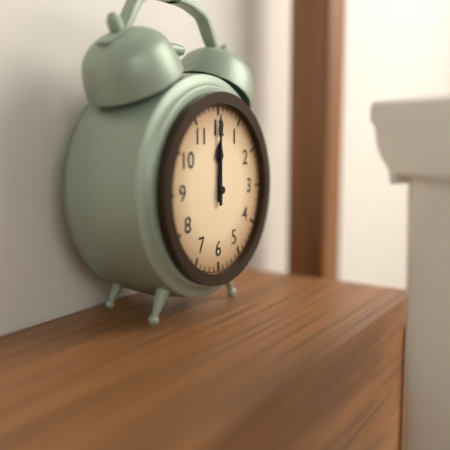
12,00
